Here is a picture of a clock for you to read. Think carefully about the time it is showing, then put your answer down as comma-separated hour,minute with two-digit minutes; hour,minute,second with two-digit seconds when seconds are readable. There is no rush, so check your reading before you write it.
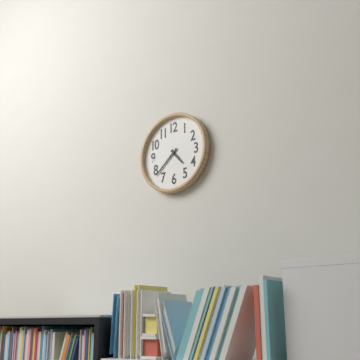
4,38
